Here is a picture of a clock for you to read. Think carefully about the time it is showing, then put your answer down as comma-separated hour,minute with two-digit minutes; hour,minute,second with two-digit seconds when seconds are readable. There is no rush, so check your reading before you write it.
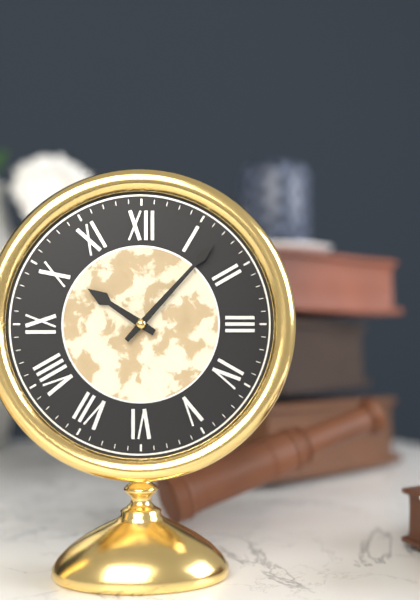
10,07
